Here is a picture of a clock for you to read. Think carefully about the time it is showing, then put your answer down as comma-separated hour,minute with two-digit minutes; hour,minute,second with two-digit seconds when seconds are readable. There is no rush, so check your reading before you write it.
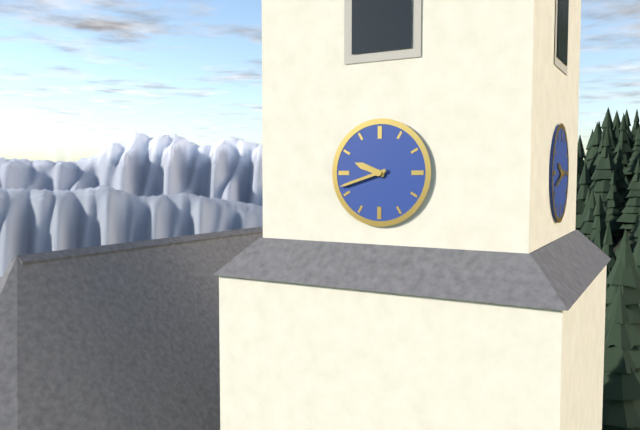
9,42
